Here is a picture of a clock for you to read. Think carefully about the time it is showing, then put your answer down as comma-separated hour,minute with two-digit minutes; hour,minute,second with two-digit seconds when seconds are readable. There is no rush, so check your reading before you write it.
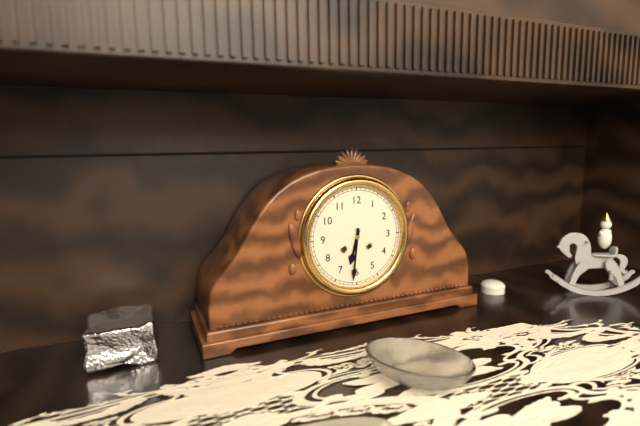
6,31
